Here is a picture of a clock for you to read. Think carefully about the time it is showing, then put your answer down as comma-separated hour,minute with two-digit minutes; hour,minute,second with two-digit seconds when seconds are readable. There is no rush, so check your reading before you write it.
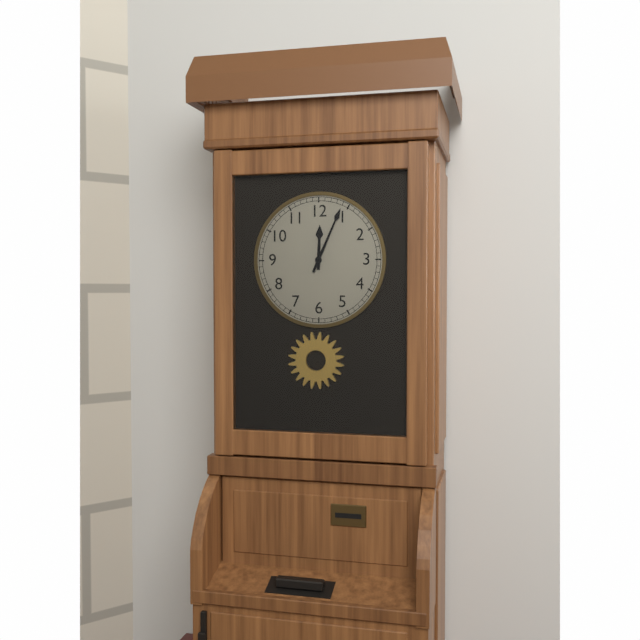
12,04
